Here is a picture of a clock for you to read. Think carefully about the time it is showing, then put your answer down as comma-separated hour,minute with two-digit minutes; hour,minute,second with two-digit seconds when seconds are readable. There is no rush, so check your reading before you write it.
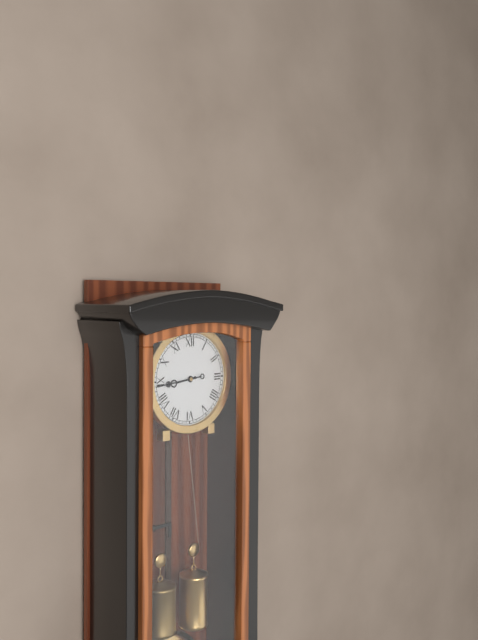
8,44
